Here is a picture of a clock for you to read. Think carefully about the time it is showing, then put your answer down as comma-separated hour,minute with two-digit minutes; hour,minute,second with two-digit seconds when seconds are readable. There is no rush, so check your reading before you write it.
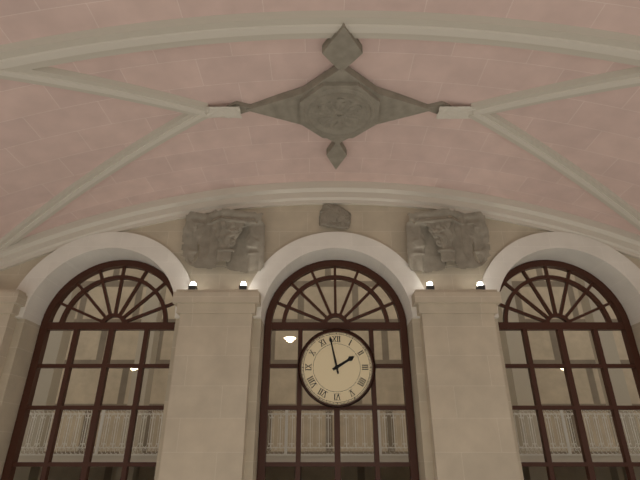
1,58
